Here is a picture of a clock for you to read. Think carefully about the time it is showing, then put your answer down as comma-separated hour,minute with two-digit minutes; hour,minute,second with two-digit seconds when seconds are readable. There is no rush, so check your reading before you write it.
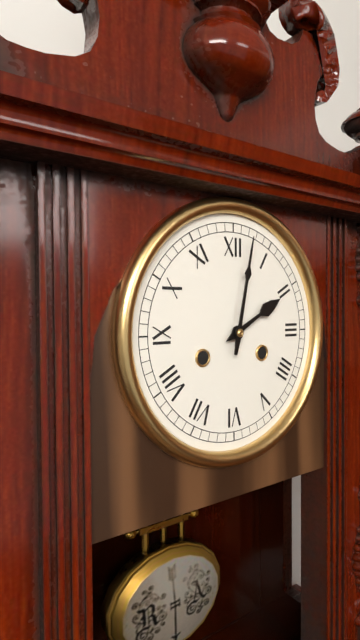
2,02
